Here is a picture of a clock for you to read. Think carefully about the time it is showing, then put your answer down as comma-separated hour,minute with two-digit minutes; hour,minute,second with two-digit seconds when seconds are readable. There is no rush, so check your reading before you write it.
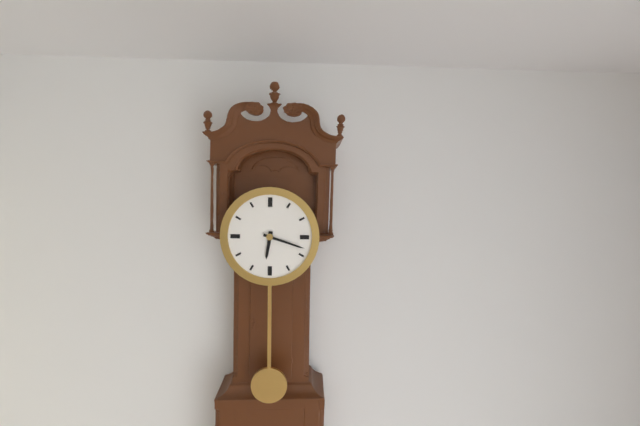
6,18
